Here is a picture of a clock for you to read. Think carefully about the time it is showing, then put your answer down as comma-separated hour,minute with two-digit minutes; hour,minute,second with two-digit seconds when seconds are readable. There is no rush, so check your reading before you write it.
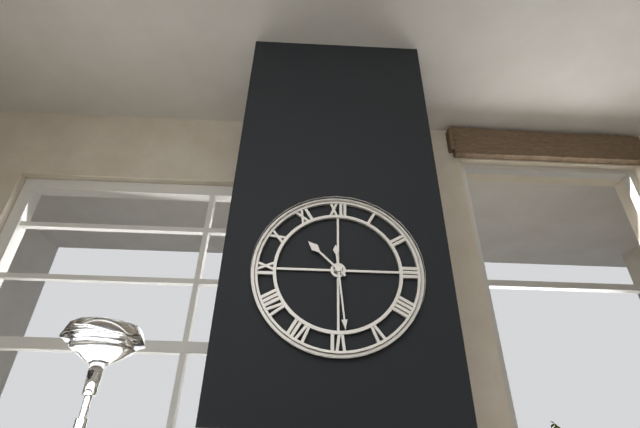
10,29
